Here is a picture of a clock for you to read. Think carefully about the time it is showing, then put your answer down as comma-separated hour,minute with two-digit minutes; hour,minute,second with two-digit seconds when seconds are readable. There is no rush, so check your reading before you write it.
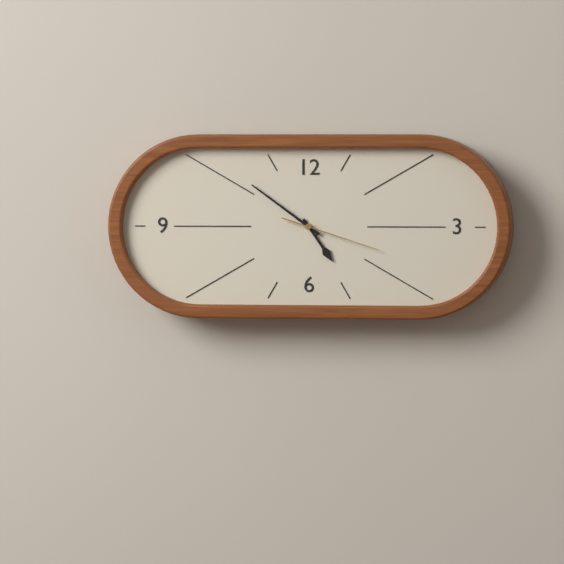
4,51,18
